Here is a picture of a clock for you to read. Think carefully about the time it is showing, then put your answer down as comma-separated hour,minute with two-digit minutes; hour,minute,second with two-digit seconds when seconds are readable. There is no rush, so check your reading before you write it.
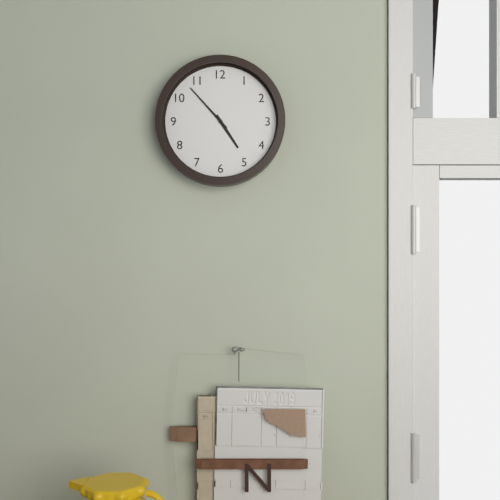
4,53
